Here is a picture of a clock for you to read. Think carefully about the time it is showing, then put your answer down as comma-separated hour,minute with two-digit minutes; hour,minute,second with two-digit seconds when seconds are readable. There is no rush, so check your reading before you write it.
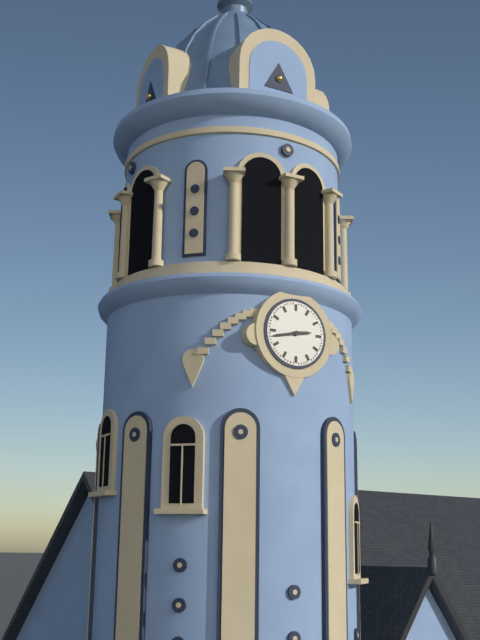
2,43
